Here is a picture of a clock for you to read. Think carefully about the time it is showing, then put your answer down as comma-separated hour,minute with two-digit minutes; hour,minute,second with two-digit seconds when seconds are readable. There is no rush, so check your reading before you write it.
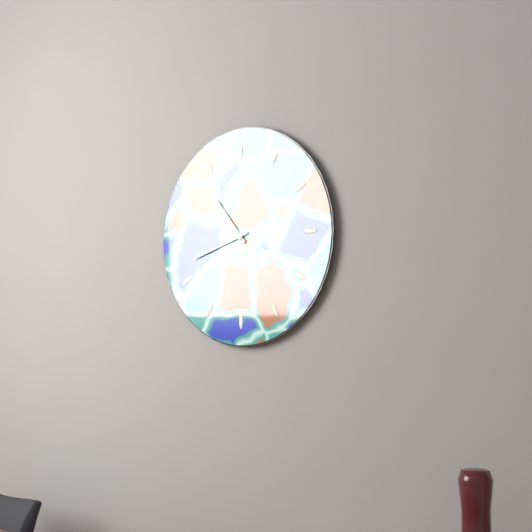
10,42
